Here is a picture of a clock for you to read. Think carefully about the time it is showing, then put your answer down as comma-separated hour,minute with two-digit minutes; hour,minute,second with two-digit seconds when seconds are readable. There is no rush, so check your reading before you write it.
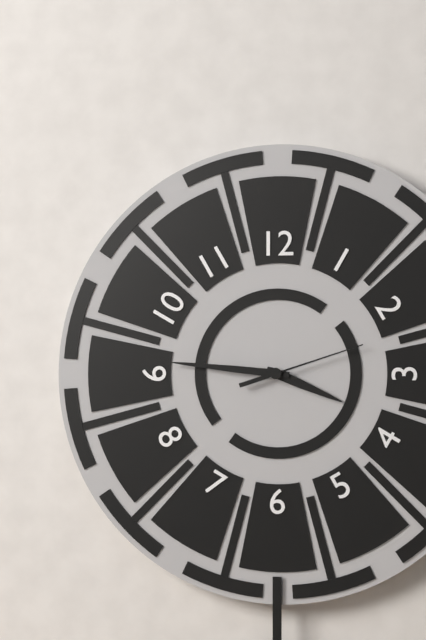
3,46,12
